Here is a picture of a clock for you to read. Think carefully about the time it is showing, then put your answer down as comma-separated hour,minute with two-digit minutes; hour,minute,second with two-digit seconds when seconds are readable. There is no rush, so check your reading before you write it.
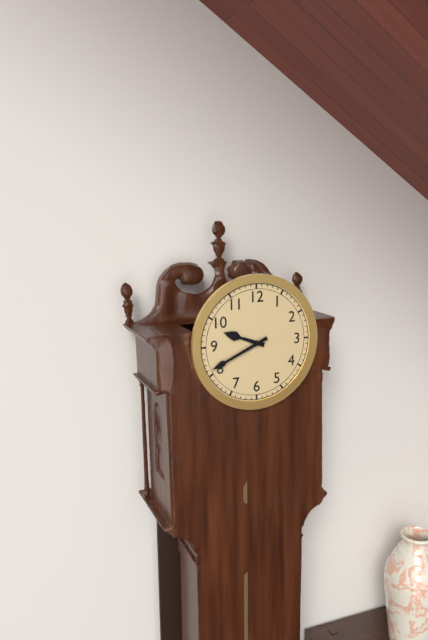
9,41
